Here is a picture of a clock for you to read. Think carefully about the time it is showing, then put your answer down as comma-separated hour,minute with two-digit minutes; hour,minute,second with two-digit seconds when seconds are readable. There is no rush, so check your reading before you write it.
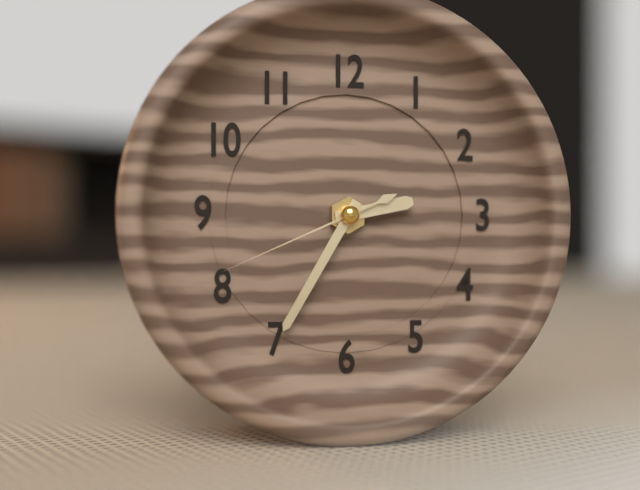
2,35,41
